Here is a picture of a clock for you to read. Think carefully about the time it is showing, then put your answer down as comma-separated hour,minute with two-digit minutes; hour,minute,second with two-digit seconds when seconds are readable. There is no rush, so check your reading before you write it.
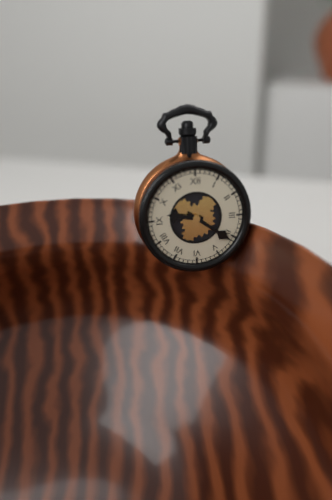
9,21
